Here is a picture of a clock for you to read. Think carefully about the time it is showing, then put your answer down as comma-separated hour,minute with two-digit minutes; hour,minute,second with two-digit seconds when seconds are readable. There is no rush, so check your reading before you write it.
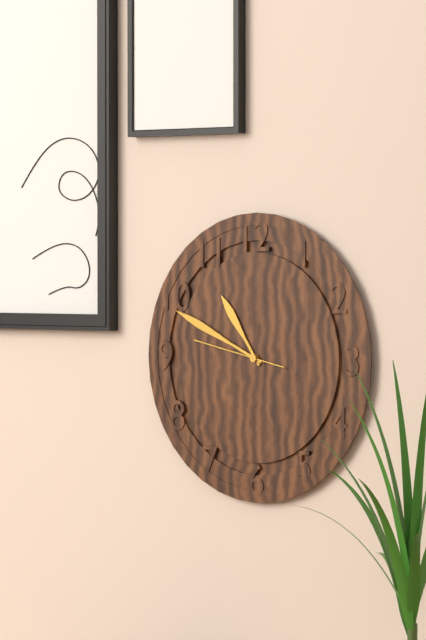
10,49,47
